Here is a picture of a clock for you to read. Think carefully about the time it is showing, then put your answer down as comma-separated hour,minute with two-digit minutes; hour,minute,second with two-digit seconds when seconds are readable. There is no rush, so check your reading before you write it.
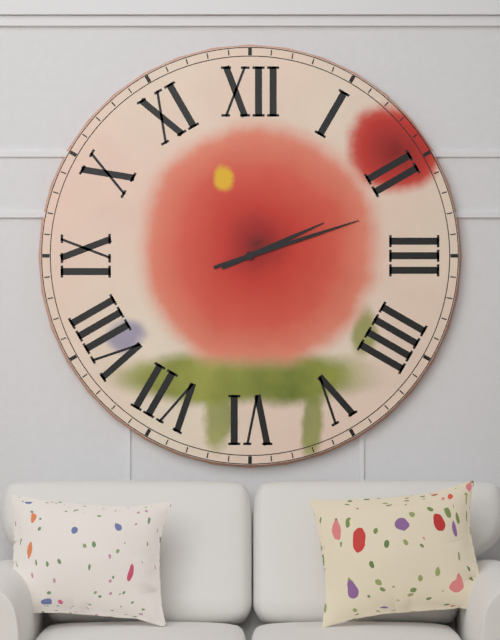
2,12
